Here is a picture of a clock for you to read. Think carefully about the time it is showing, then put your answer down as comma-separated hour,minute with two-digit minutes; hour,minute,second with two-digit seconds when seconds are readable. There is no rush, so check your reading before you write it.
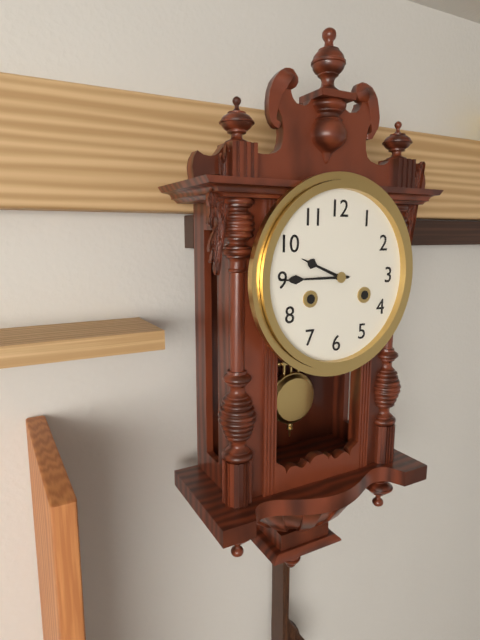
9,45
